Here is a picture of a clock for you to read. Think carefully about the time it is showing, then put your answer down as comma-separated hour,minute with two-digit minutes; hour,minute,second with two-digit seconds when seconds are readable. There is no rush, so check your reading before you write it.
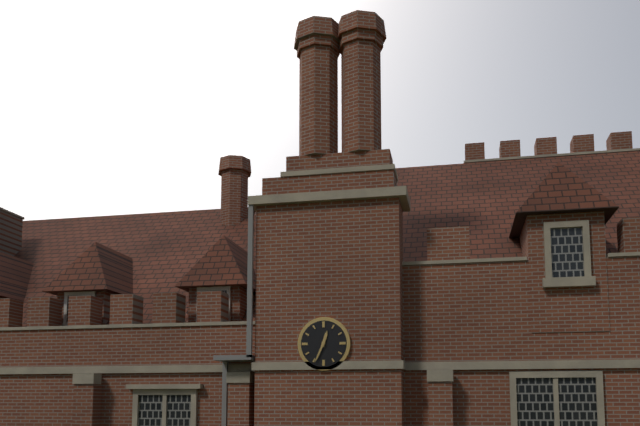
12,34
